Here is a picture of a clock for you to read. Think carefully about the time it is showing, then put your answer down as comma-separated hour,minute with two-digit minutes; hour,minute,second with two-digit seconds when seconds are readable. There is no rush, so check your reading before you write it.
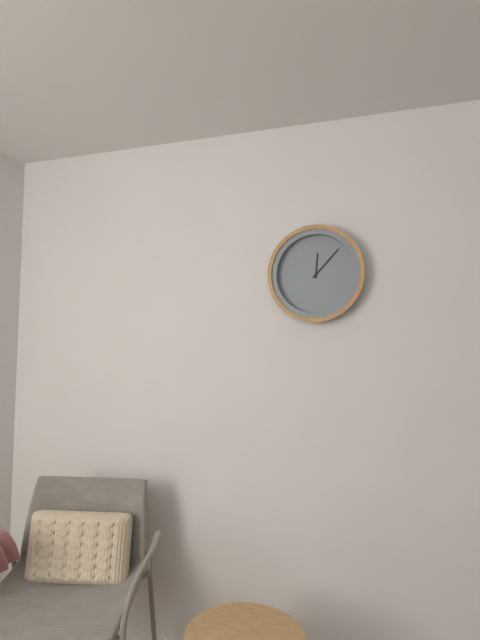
12,07
